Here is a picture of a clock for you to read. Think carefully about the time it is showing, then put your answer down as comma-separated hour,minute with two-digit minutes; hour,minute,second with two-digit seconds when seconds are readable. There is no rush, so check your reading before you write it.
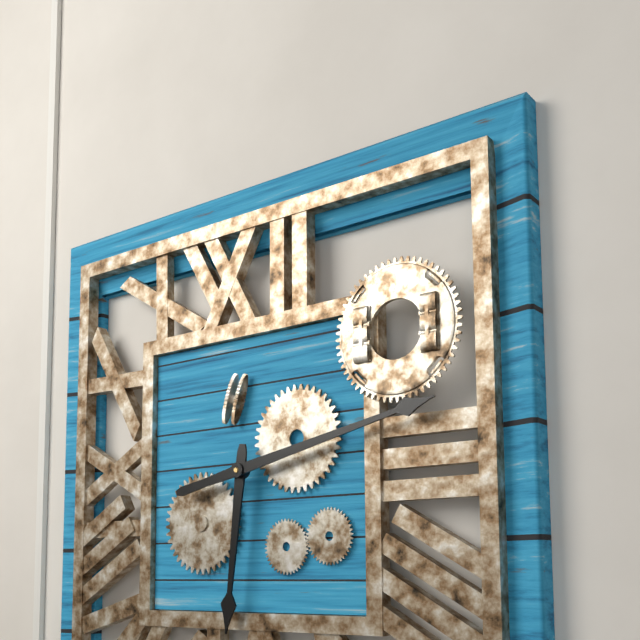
6,13
